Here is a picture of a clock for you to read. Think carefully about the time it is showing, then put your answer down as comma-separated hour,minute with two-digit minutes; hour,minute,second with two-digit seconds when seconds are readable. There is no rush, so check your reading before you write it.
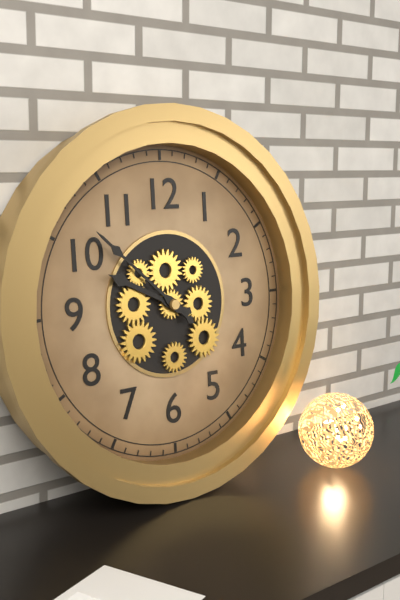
9,52
